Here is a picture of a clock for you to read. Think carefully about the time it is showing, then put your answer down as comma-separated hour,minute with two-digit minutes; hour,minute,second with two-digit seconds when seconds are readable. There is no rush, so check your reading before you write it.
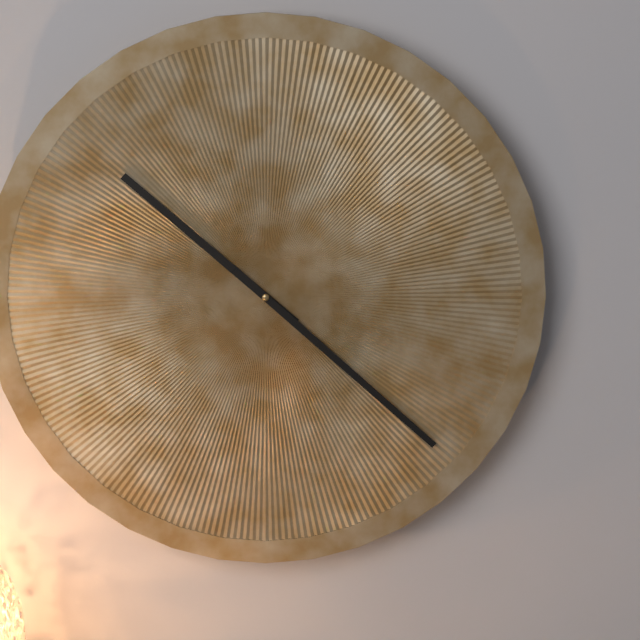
10,22
